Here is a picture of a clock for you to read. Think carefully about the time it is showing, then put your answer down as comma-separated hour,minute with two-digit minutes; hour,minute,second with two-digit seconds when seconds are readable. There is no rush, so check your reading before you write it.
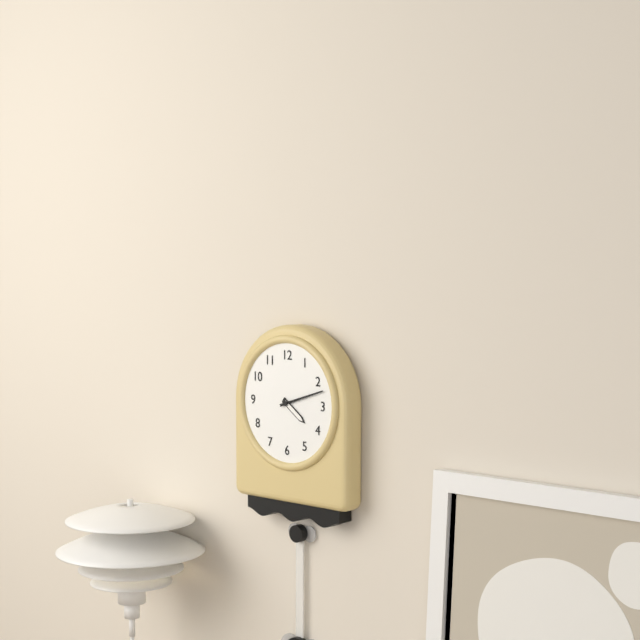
4,12
